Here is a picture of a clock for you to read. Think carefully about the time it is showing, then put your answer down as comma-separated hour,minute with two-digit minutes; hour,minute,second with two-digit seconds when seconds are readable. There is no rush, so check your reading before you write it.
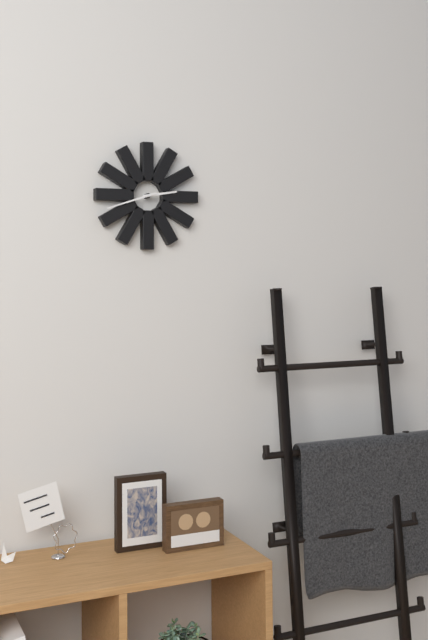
2,42
